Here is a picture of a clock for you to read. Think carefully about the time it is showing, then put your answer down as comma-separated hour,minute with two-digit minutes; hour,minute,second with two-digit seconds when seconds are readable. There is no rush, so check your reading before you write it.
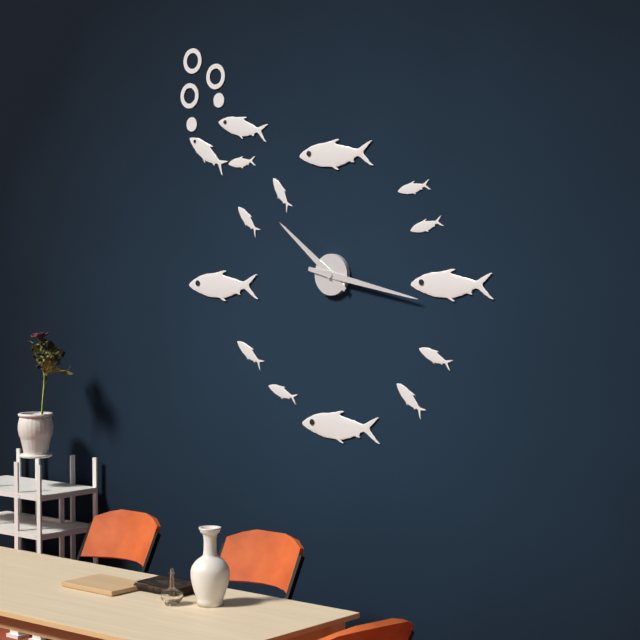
10,17
